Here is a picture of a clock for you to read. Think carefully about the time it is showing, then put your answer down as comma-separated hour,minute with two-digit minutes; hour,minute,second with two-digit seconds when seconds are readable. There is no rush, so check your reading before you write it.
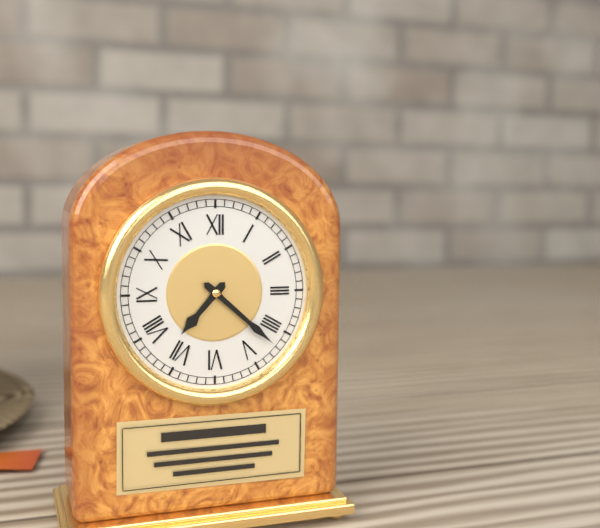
7,22
